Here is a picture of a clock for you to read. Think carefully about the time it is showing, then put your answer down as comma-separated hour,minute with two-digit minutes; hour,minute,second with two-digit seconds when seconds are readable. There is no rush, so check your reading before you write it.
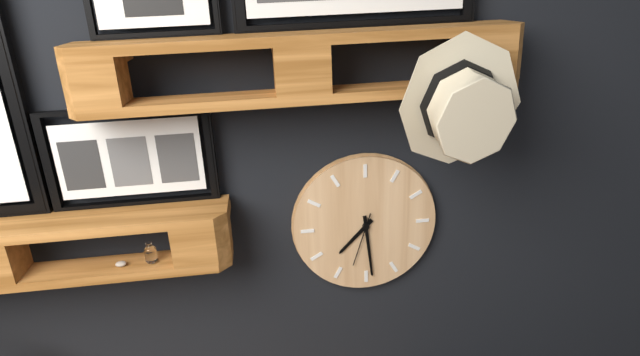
7,29,33
